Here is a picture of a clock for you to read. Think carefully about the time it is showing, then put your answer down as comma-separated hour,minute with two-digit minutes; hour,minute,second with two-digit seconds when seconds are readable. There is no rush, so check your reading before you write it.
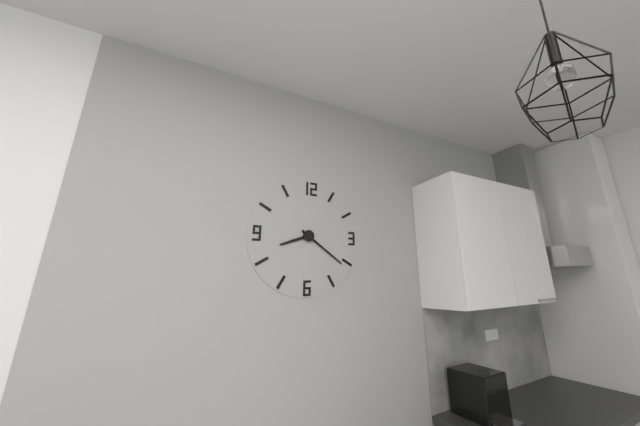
8,21
